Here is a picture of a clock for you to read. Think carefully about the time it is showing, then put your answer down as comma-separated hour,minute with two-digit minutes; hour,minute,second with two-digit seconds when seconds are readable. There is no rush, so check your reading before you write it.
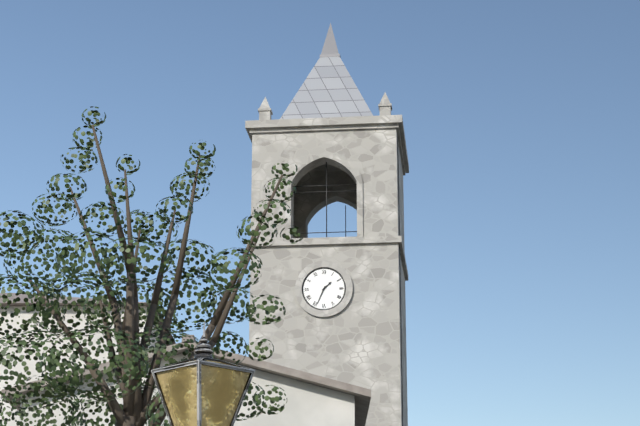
1,34
